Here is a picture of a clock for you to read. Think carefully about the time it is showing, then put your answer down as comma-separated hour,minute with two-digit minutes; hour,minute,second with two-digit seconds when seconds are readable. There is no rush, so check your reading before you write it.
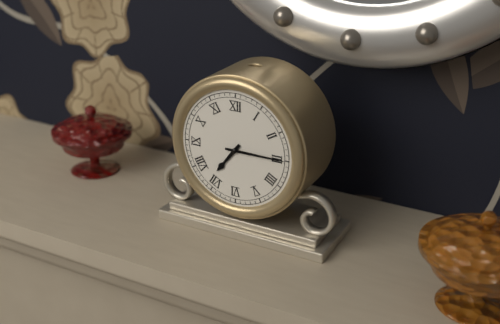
7,15
